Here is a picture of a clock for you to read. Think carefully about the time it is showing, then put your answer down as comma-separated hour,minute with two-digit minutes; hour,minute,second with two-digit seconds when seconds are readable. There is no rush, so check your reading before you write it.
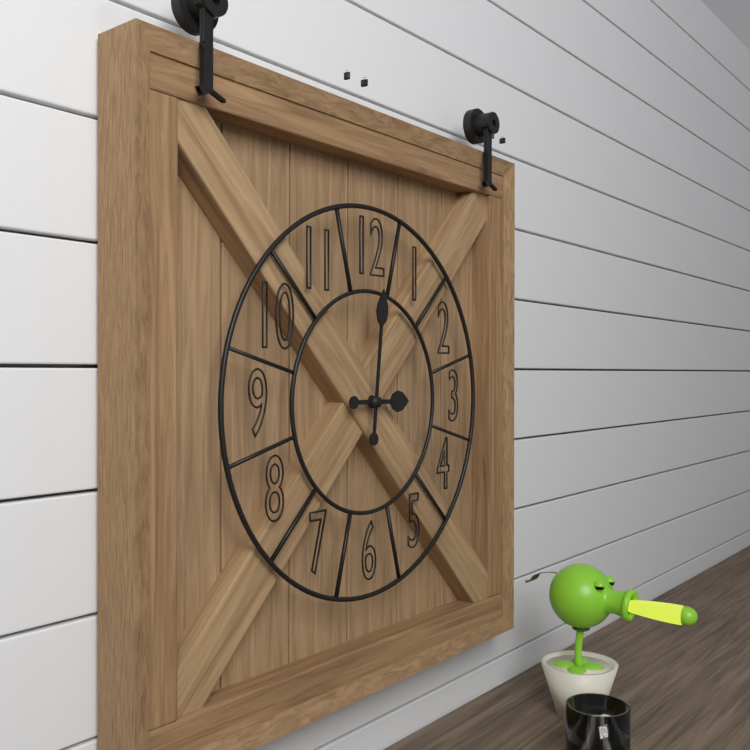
3,01
